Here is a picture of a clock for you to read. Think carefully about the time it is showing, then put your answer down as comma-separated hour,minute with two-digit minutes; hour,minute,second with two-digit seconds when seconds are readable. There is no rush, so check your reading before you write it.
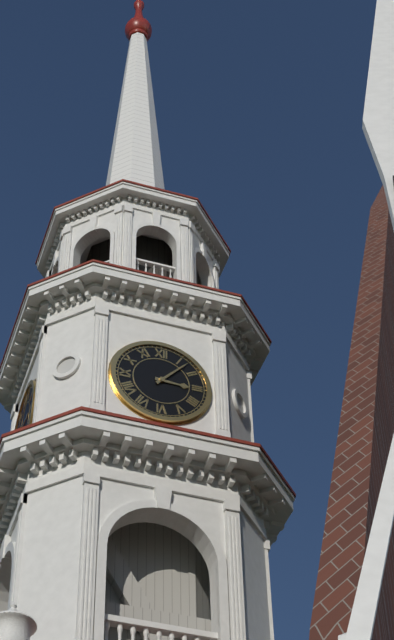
3,07
